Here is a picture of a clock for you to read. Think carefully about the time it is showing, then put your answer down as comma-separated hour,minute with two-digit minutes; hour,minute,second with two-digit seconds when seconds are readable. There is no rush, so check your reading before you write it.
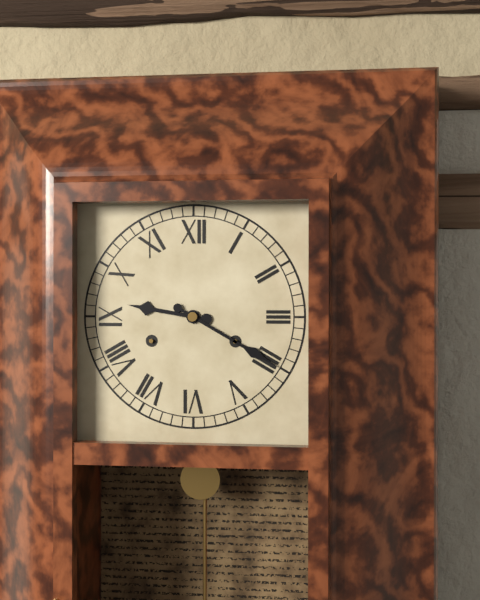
9,20
